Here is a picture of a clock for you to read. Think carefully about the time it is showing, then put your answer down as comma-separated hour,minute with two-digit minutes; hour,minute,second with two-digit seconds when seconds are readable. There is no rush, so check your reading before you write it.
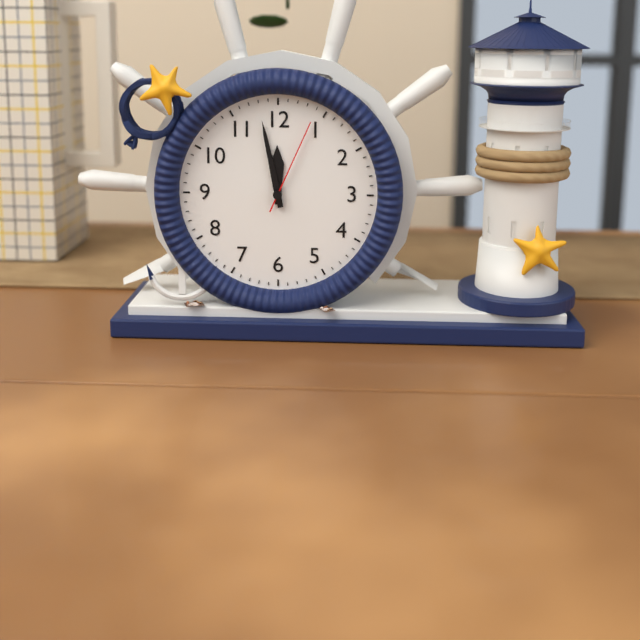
11,58,04
